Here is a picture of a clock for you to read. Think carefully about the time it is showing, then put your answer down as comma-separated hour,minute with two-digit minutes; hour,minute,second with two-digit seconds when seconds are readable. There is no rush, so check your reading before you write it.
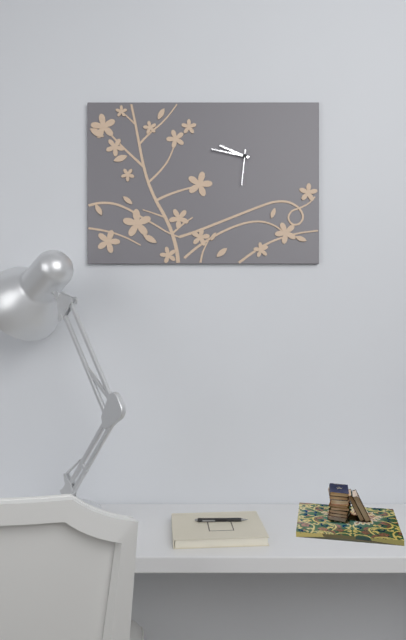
9,47
